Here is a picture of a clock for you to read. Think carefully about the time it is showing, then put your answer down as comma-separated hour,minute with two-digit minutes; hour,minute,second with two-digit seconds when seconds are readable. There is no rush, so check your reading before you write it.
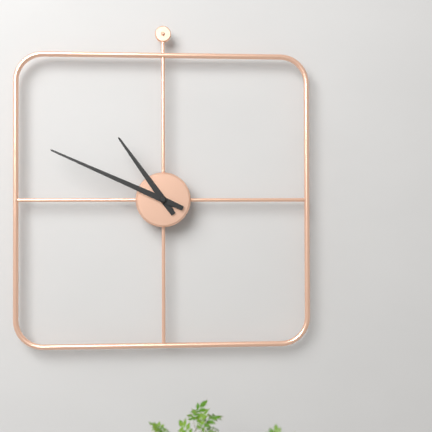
10,49
